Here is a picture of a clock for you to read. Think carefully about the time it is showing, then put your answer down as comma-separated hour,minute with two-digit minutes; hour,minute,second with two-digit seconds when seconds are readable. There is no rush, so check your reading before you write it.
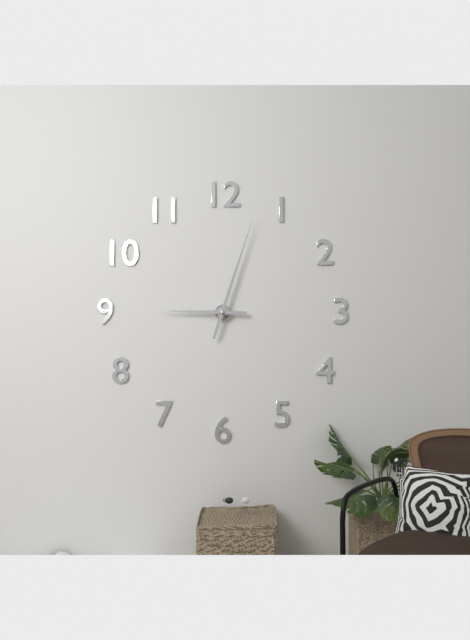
9,03
